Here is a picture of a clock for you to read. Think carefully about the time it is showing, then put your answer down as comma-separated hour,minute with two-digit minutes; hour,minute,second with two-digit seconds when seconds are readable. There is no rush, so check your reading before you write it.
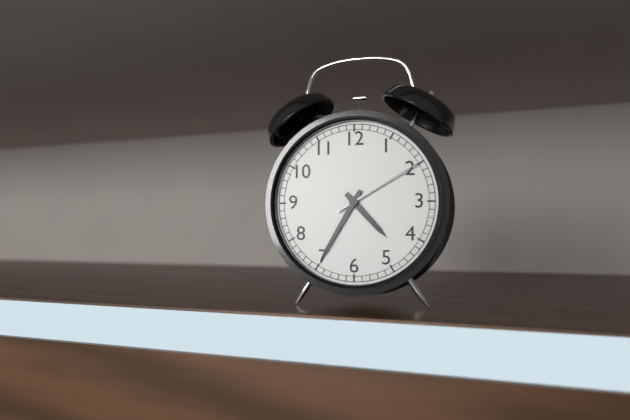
4,35,10
